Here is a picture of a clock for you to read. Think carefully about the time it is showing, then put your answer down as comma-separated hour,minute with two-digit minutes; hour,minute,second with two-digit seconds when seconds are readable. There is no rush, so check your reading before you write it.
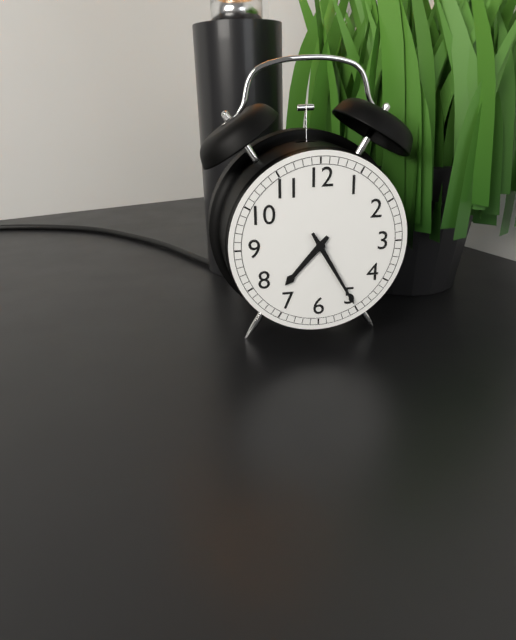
7,25
